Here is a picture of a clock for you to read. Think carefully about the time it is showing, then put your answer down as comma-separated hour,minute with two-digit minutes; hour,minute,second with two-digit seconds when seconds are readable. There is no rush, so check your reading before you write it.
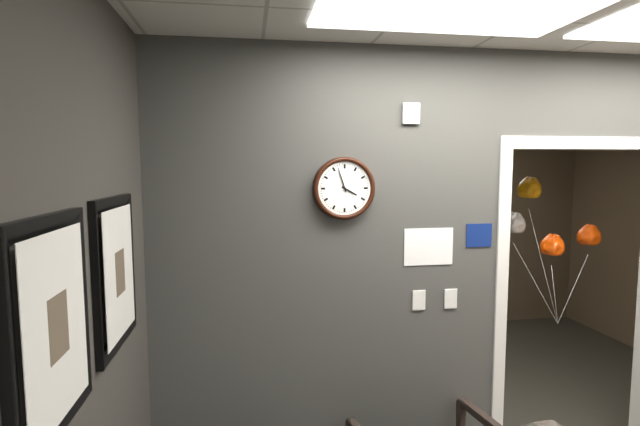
3,57
